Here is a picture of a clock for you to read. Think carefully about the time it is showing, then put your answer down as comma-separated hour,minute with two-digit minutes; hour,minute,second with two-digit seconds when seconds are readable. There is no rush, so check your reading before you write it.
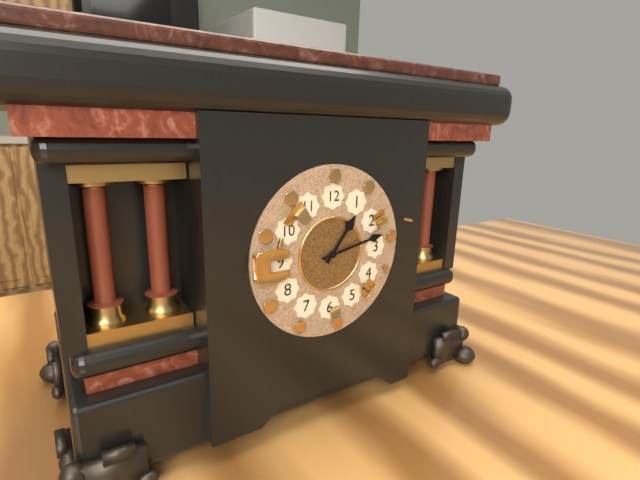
1,13
